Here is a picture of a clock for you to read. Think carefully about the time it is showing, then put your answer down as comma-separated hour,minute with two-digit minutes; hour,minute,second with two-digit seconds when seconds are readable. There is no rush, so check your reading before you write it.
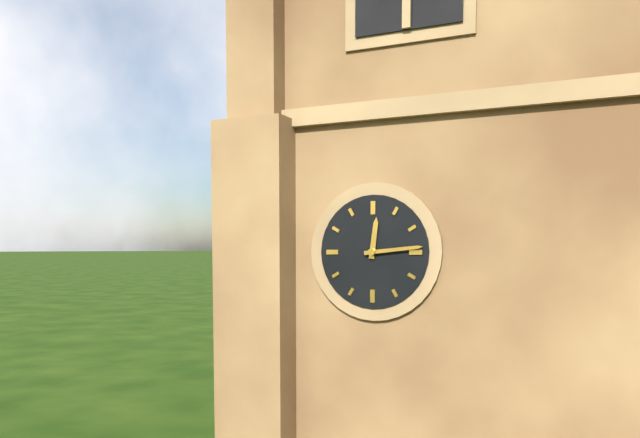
12,14
